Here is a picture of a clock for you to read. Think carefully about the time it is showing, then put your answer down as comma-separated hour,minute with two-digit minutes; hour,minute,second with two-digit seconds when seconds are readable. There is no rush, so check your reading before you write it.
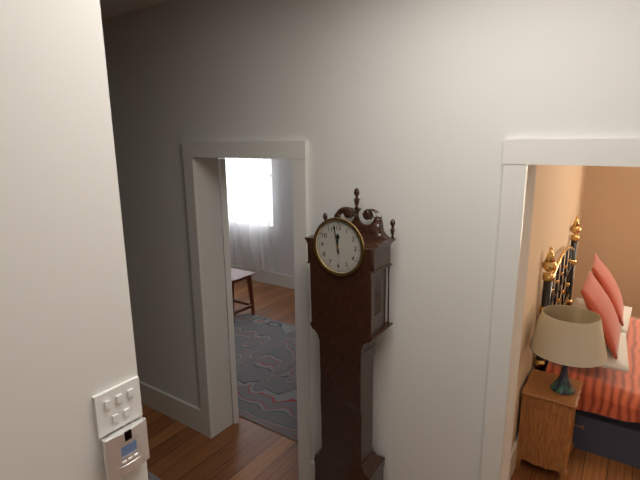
11,58
